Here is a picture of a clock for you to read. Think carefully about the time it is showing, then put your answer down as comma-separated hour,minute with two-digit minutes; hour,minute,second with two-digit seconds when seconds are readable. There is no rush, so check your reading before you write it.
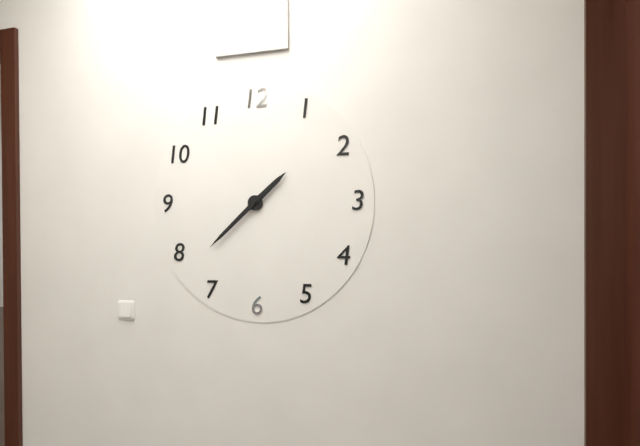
1,38
